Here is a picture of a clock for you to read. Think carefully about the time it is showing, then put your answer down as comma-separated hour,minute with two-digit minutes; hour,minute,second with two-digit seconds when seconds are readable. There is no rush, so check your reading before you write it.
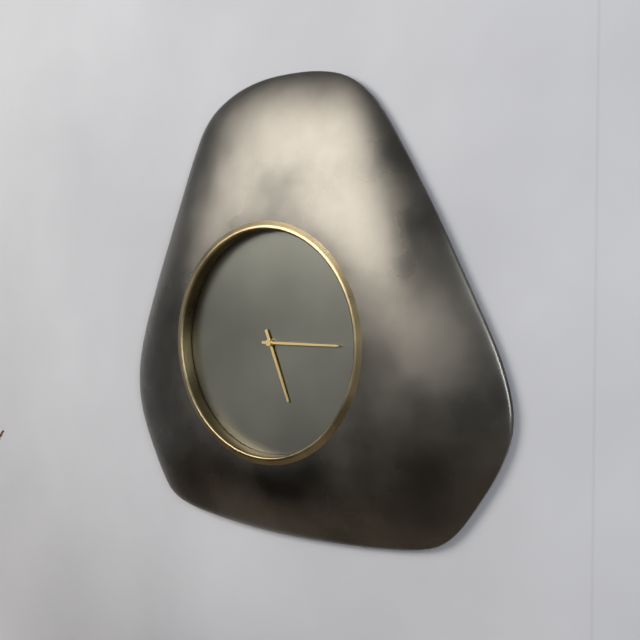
5,15
